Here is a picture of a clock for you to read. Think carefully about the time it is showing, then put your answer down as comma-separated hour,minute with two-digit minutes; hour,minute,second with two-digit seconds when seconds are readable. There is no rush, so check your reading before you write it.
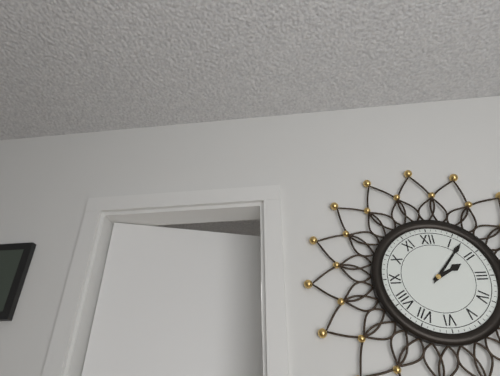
2,07
